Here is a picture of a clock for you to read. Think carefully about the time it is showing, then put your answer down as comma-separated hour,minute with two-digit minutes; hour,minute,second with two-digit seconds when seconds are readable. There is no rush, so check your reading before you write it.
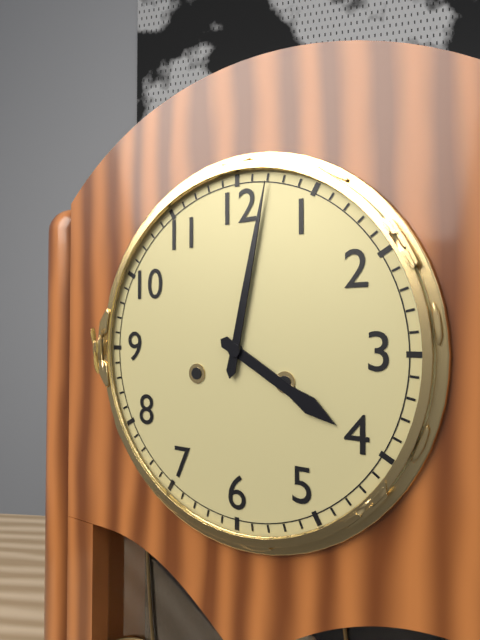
4,02
